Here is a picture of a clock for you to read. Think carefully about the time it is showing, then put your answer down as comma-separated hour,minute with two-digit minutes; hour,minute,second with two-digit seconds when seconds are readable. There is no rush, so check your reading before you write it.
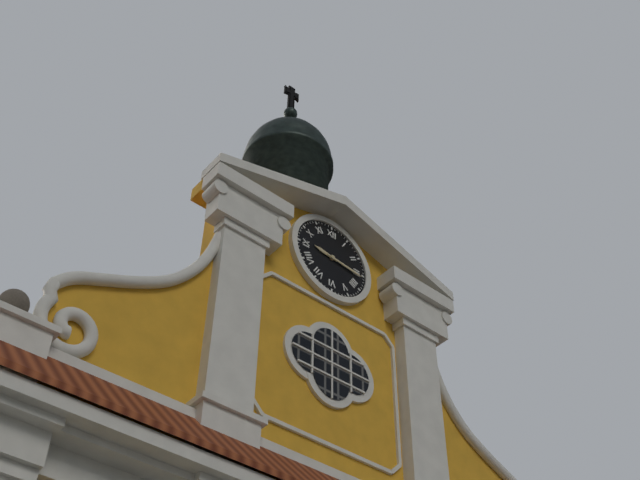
9,16
